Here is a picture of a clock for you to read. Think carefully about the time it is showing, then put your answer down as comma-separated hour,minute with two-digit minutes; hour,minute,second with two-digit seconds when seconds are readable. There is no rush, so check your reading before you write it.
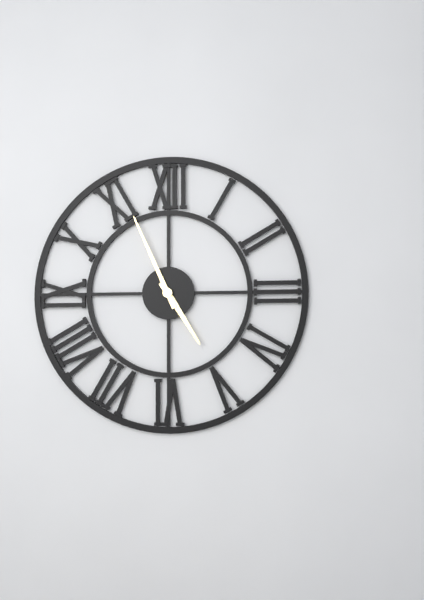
4,56
